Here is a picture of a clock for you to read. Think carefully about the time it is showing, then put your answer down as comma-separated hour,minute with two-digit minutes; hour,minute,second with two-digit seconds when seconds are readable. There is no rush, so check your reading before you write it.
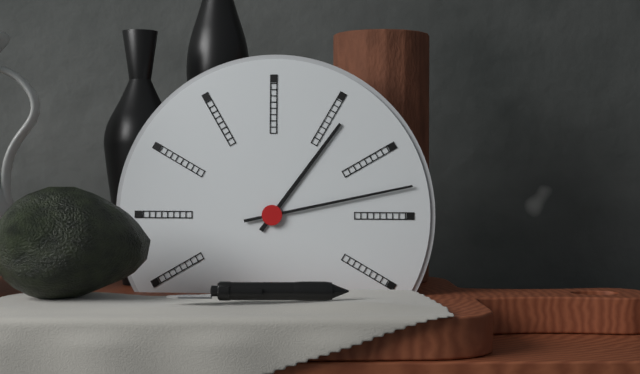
1,13
